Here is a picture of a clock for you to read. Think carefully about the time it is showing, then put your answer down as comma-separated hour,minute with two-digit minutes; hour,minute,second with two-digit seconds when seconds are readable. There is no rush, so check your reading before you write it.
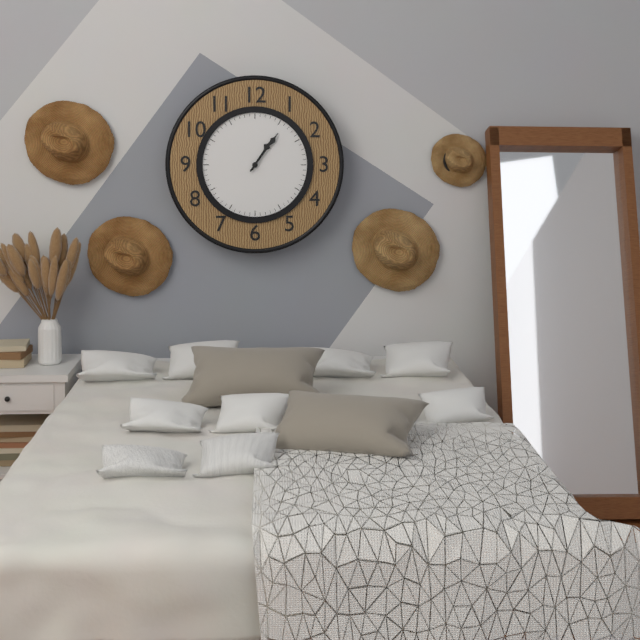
1,06
